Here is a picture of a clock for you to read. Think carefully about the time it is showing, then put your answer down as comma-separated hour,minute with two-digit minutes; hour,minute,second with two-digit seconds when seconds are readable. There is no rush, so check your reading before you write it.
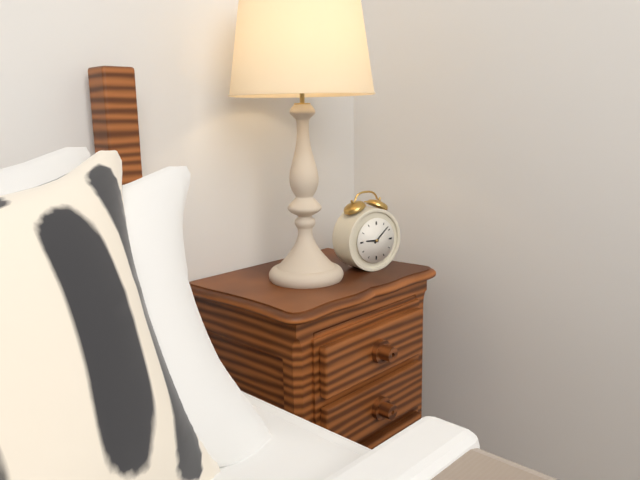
9,08
